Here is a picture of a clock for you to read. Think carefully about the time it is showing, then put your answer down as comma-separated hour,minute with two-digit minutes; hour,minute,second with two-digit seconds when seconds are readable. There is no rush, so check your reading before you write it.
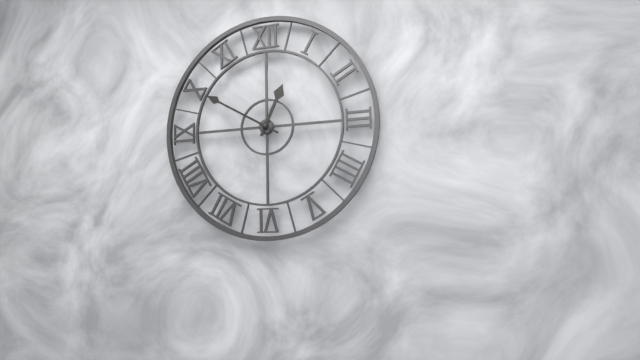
12,50
